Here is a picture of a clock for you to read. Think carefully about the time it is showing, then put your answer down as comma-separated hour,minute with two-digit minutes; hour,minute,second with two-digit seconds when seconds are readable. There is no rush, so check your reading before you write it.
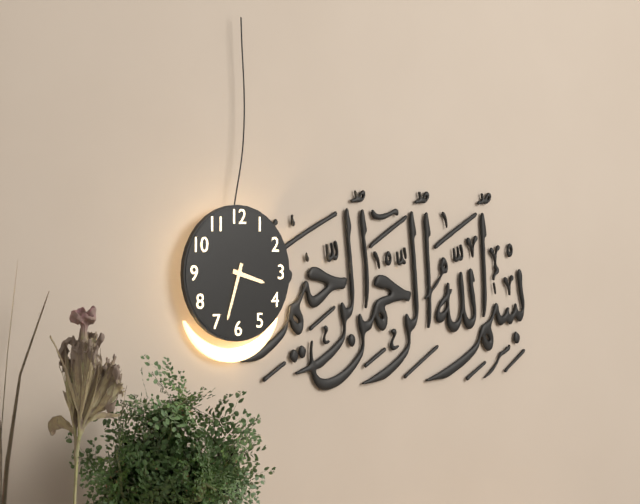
3,33
